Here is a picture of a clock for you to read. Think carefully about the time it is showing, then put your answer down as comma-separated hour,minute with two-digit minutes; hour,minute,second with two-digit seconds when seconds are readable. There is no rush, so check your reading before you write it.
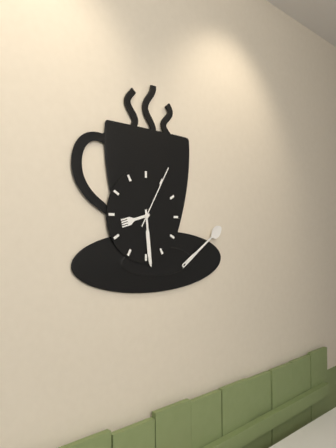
8,29,05
